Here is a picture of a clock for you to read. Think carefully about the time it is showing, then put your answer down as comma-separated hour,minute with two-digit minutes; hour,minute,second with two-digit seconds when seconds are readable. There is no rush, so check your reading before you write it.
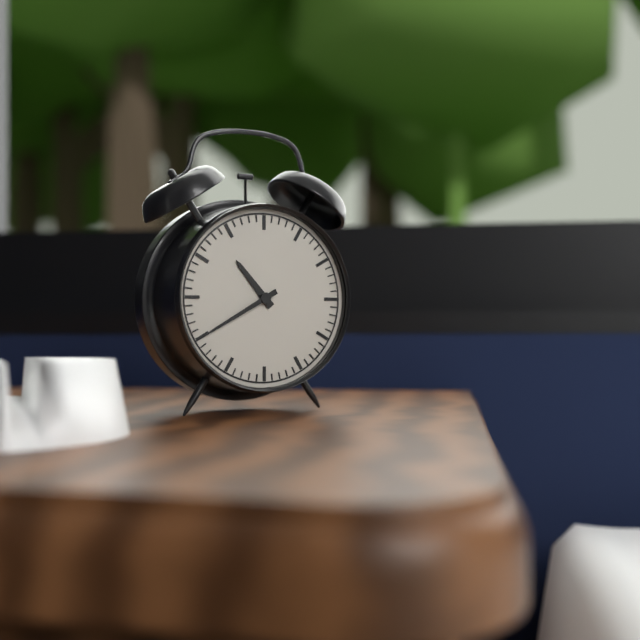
10,40
